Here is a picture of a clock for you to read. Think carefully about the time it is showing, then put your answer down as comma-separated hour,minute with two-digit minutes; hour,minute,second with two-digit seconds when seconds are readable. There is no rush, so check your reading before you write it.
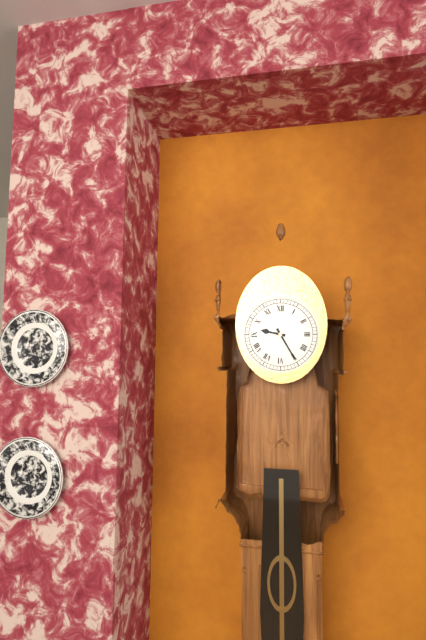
9,25
